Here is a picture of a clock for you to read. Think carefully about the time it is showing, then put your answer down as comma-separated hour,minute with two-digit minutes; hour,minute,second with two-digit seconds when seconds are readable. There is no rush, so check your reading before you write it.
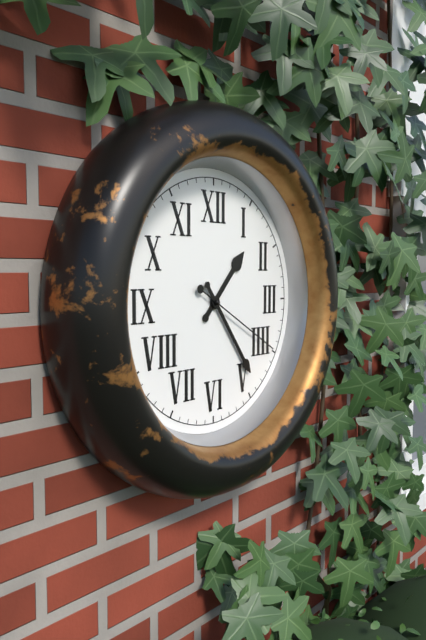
1,24,20
